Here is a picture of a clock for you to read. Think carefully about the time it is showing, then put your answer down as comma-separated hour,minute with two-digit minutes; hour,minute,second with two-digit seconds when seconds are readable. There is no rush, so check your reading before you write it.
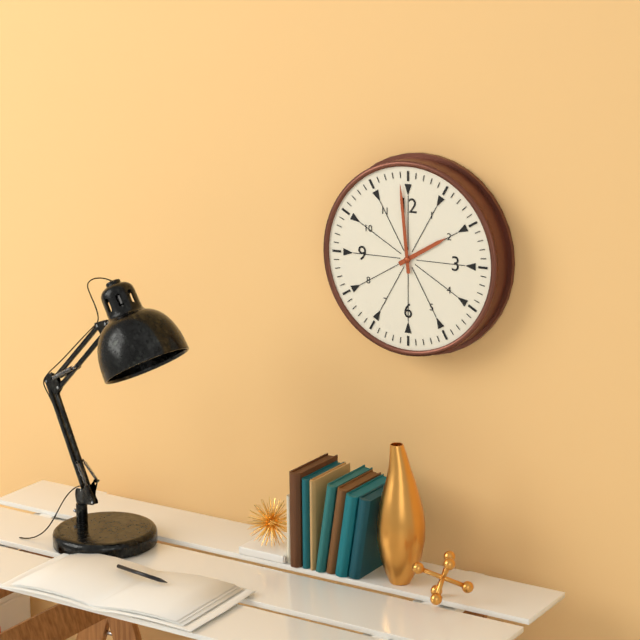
1,59
